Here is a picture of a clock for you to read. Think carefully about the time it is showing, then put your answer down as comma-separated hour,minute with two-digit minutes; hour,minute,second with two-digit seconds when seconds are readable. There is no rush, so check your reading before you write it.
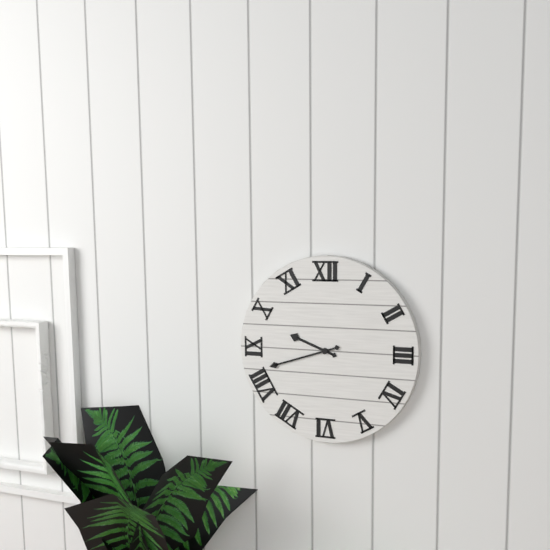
9,42
